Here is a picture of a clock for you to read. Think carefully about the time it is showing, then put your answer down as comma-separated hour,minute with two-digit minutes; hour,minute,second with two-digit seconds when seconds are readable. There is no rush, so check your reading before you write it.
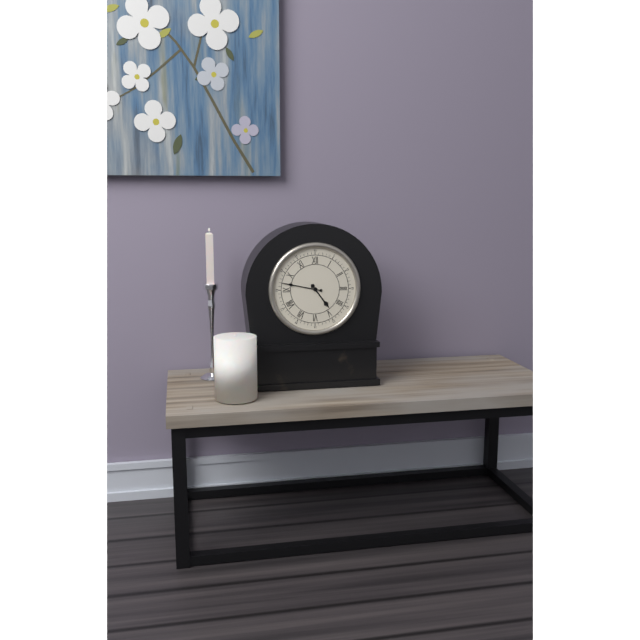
4,47
